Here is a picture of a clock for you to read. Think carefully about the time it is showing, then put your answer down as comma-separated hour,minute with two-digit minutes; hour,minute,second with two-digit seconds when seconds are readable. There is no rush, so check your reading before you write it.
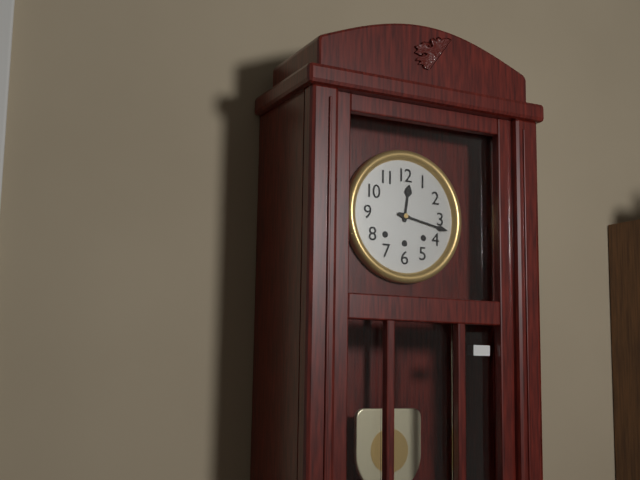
12,17
